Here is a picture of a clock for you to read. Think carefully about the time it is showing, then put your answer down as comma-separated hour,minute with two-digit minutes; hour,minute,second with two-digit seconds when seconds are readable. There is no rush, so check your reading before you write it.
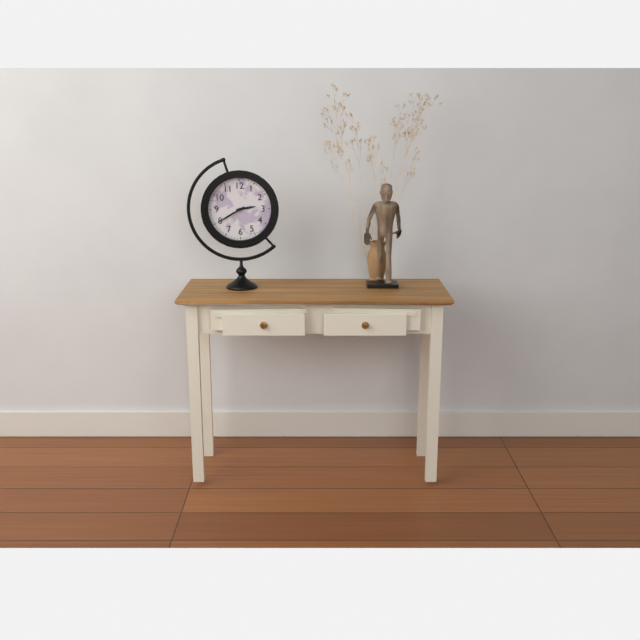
2,40
